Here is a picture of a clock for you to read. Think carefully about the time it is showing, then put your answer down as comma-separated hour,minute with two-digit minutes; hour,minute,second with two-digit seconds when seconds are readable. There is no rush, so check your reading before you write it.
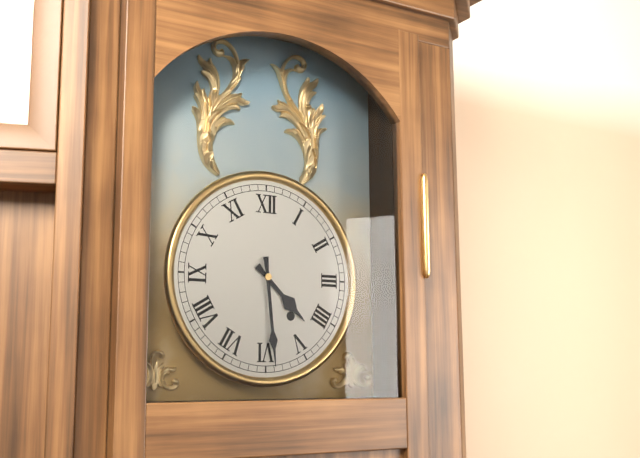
4,29
